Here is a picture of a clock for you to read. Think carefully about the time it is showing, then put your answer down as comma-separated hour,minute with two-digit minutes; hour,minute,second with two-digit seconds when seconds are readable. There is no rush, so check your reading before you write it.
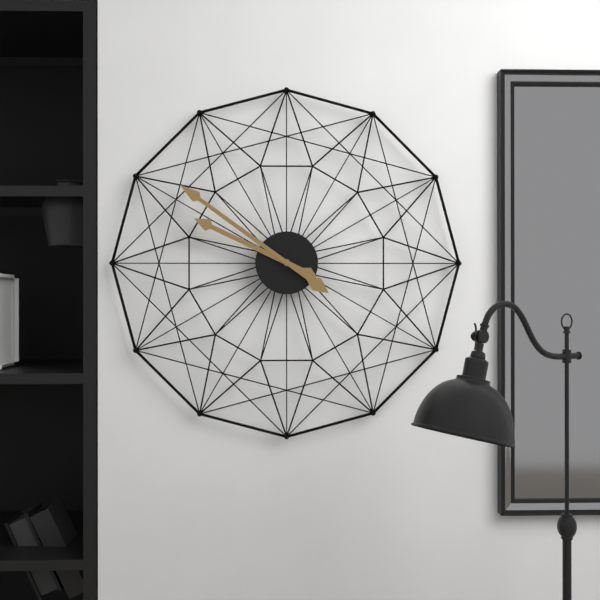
9,51
